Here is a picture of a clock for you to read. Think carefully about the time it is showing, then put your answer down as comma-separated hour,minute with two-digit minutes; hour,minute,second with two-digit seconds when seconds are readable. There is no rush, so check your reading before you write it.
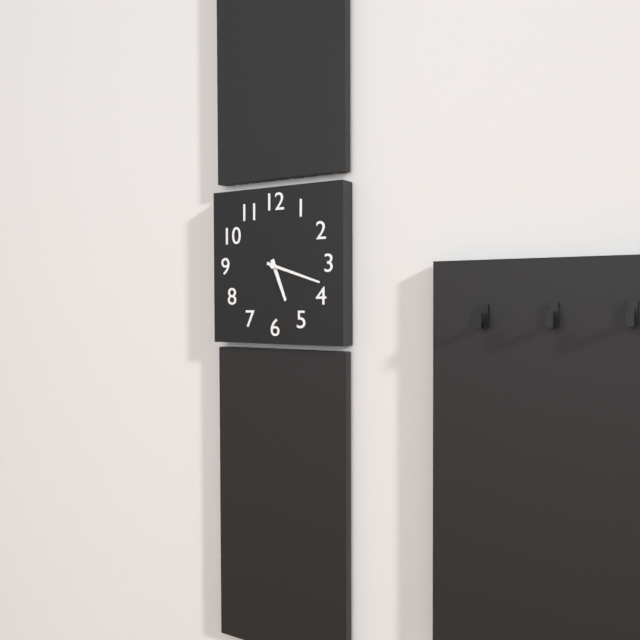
5,18
